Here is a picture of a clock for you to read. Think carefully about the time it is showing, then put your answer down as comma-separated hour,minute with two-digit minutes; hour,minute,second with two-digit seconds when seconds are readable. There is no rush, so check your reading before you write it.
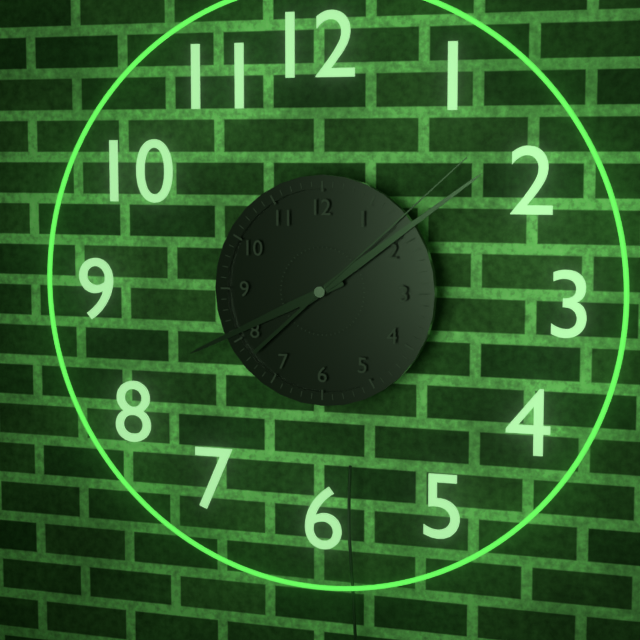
8,09,08
